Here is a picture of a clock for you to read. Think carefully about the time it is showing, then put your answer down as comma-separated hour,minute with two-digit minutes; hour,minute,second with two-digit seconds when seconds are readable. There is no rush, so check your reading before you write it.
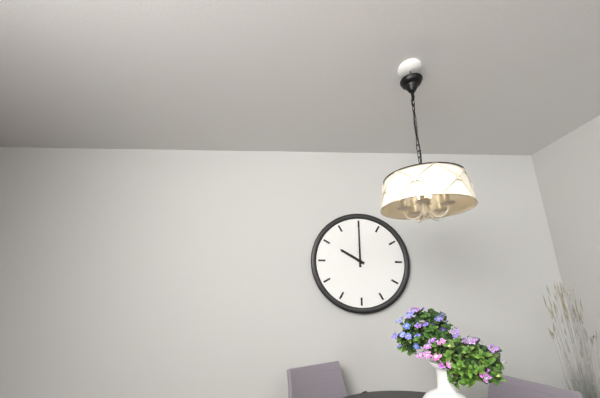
10,00
